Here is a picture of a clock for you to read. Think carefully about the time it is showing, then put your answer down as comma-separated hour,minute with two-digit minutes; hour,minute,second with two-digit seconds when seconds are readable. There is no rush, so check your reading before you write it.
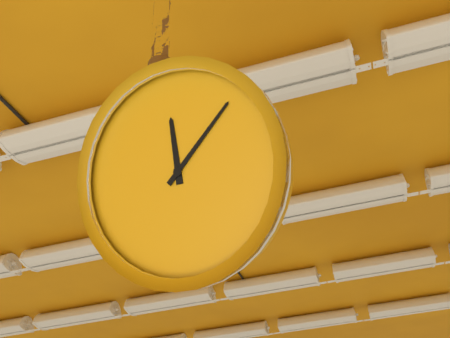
12,09
